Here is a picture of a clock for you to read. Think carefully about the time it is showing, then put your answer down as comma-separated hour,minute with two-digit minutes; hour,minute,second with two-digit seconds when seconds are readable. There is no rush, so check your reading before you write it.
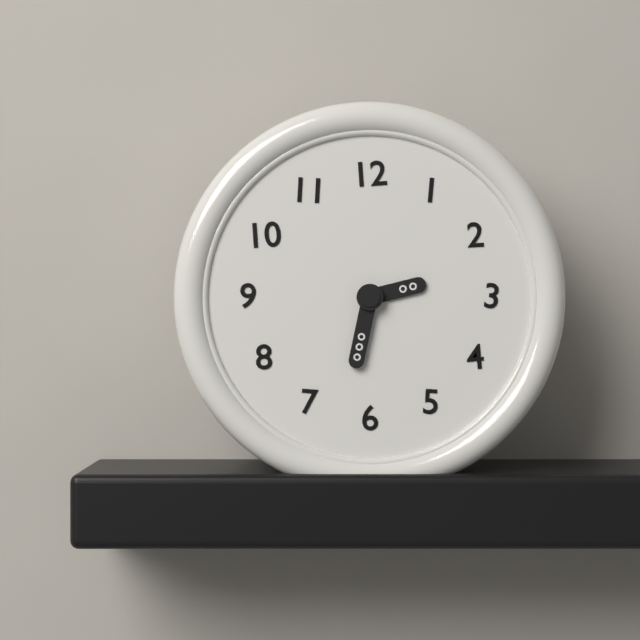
2,32
